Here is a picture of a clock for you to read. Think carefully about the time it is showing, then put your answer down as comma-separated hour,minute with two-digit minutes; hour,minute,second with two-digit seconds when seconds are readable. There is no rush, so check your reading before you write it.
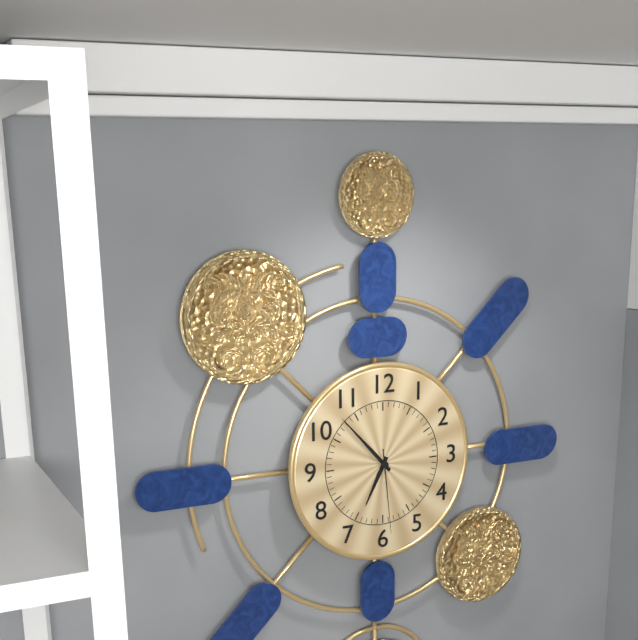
6,53,29
